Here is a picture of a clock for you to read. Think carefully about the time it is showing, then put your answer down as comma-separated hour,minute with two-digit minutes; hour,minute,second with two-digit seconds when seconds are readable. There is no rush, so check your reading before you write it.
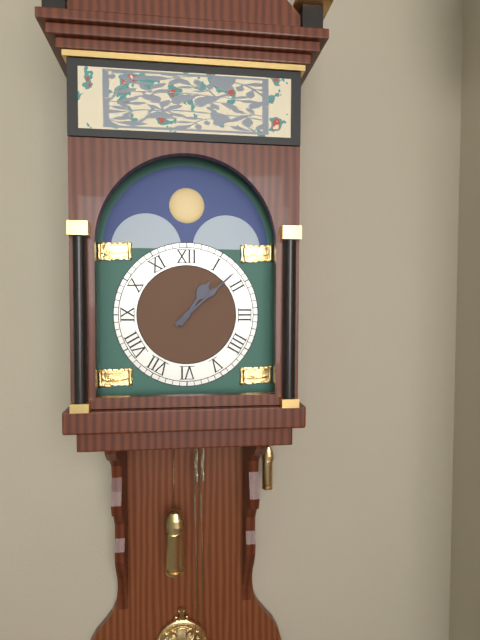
1,08
